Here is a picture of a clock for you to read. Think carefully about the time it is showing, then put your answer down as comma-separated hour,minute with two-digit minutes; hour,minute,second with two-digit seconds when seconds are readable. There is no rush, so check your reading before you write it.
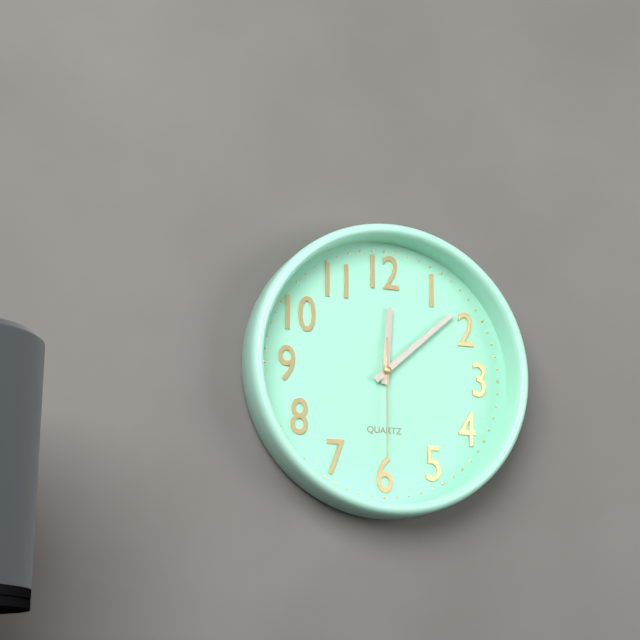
12,08,30
